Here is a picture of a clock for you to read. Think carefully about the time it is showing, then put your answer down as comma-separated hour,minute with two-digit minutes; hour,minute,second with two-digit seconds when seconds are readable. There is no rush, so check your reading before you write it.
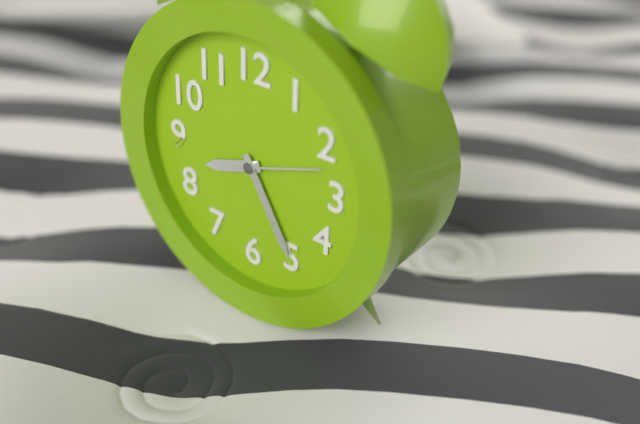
8,25,12
